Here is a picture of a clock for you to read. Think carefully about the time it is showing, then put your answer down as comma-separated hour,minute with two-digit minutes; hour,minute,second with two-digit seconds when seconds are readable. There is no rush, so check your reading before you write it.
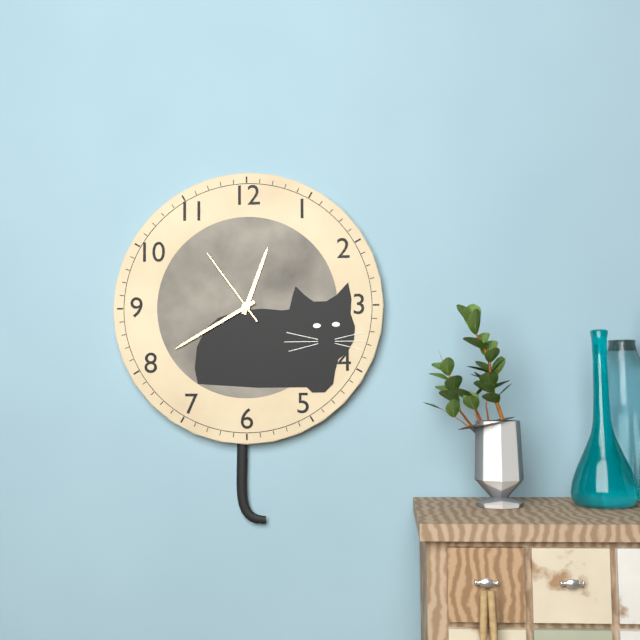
12,40,54
